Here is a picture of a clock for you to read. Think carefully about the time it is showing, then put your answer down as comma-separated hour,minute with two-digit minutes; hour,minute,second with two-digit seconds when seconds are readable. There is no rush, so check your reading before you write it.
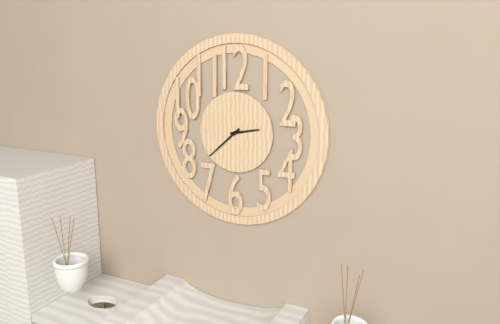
2,38
